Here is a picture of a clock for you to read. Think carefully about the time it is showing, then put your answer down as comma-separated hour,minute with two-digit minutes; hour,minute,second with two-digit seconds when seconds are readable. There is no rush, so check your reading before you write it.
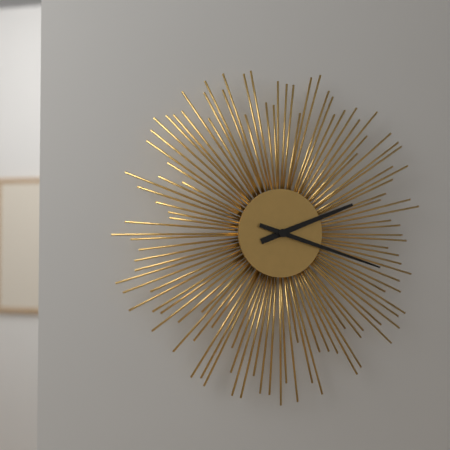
2,18
